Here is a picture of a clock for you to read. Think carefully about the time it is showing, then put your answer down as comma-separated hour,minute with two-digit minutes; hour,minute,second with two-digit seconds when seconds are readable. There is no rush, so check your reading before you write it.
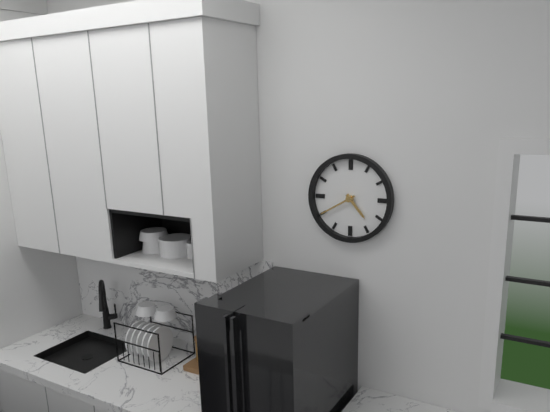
4,40
